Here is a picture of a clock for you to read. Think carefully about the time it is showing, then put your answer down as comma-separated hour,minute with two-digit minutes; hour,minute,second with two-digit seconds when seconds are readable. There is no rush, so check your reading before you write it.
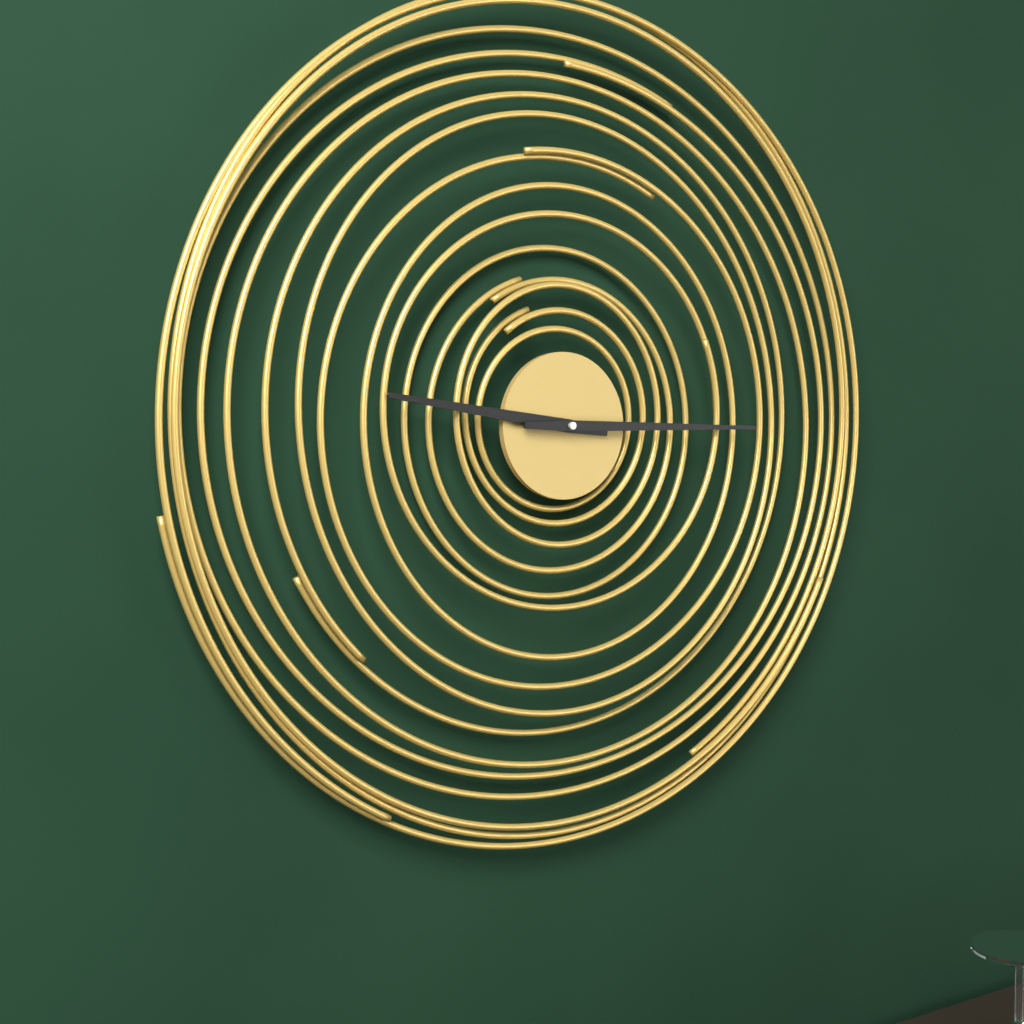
9,15
